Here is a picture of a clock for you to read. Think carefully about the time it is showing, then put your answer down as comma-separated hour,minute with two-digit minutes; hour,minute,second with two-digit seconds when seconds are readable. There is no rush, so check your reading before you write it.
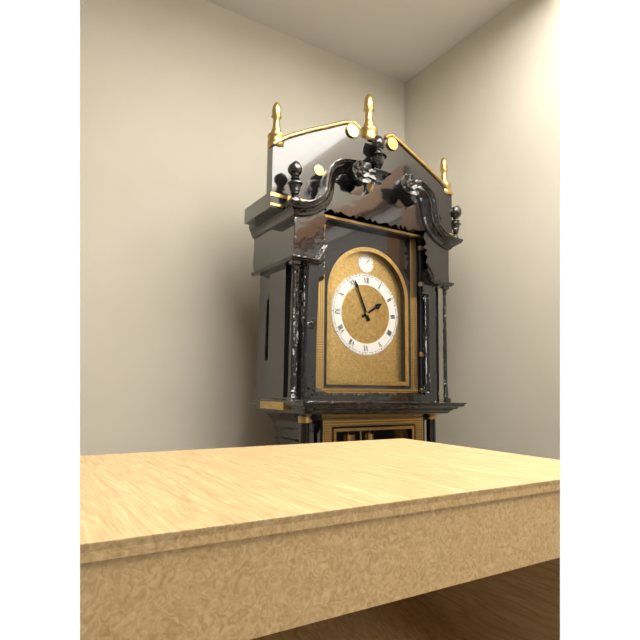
1,56
